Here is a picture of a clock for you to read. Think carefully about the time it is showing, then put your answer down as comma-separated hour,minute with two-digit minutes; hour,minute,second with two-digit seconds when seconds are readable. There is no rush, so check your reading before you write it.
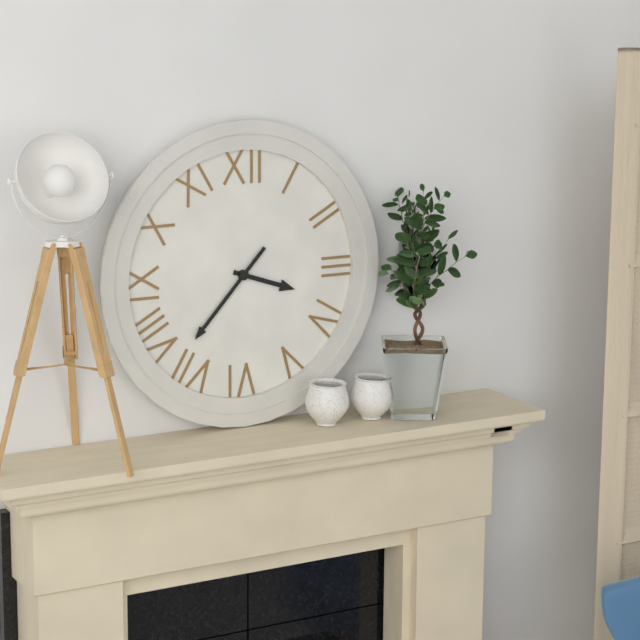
3,37
